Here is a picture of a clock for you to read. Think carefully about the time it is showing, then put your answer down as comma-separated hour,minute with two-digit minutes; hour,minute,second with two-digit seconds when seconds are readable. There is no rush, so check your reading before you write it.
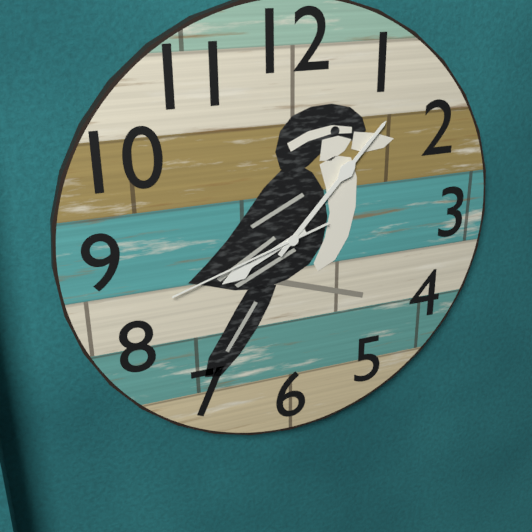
8,07,42
